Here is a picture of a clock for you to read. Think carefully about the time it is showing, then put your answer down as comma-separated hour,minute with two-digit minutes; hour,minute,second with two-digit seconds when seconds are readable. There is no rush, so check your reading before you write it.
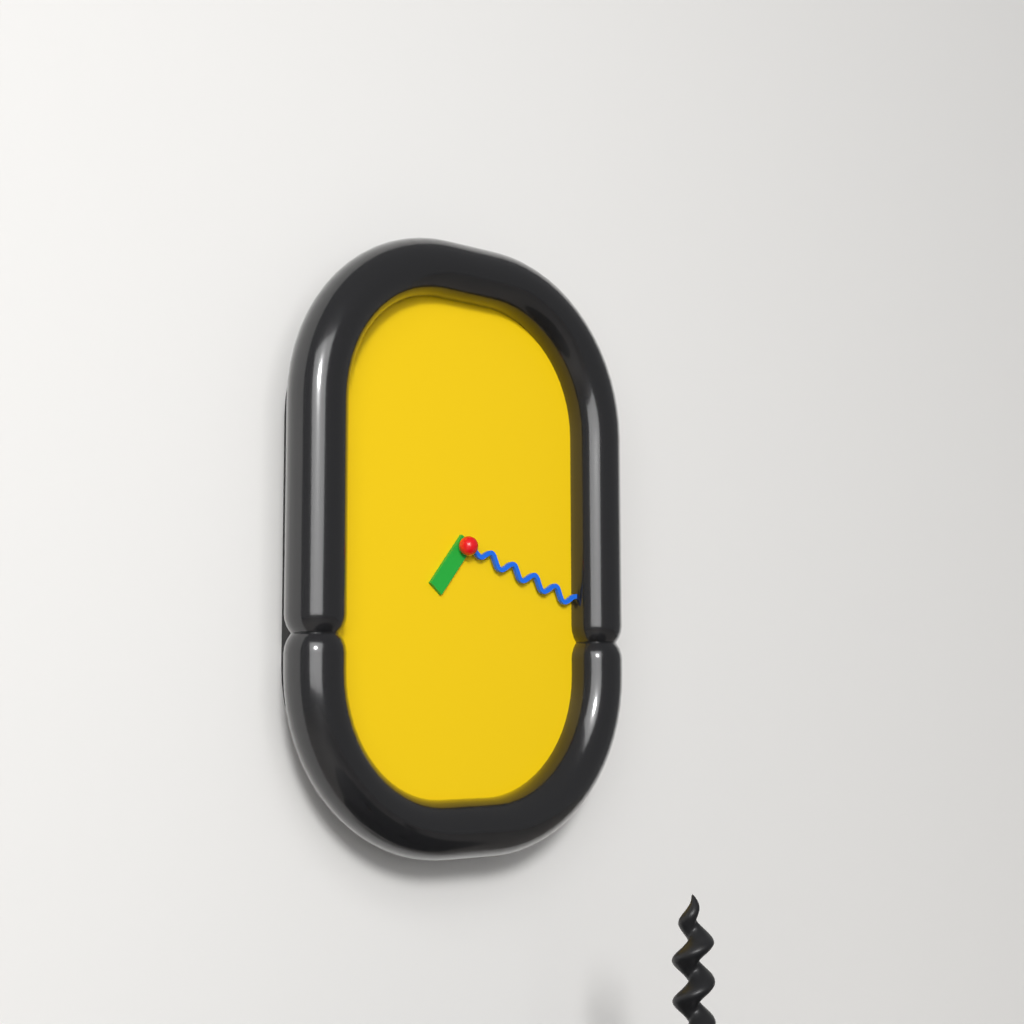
7,18
